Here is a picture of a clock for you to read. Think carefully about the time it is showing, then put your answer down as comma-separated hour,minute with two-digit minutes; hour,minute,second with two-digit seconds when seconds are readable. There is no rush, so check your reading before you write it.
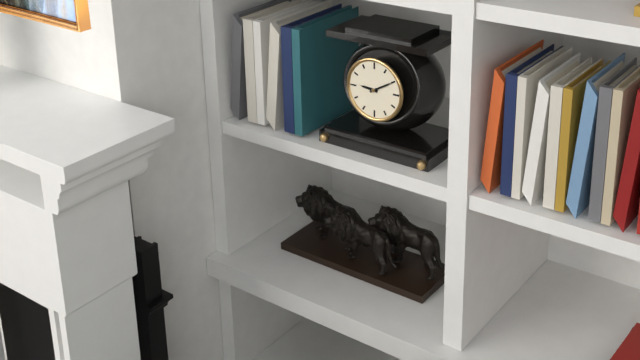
9,10
